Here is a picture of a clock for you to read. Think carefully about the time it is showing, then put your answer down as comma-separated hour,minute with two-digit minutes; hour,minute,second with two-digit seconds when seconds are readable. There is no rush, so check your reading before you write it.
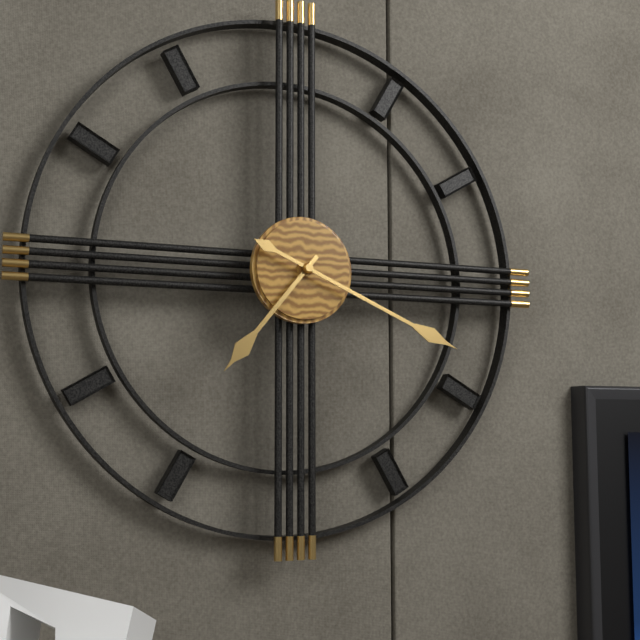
7,19
